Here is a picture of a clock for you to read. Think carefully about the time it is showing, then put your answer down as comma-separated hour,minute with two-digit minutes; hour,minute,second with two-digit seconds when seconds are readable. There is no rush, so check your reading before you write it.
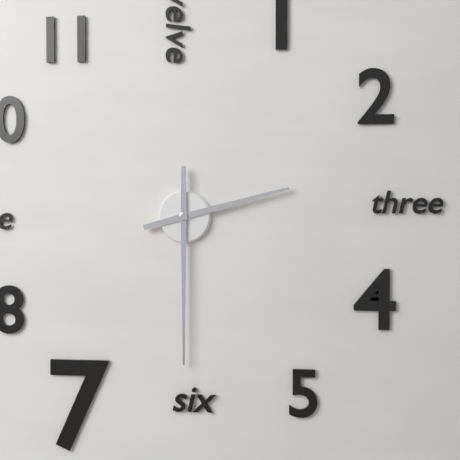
2,30
